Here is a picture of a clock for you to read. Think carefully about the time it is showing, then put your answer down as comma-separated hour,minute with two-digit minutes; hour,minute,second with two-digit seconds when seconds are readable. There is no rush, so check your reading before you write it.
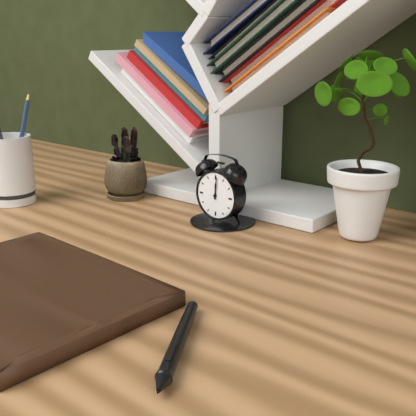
12,01
